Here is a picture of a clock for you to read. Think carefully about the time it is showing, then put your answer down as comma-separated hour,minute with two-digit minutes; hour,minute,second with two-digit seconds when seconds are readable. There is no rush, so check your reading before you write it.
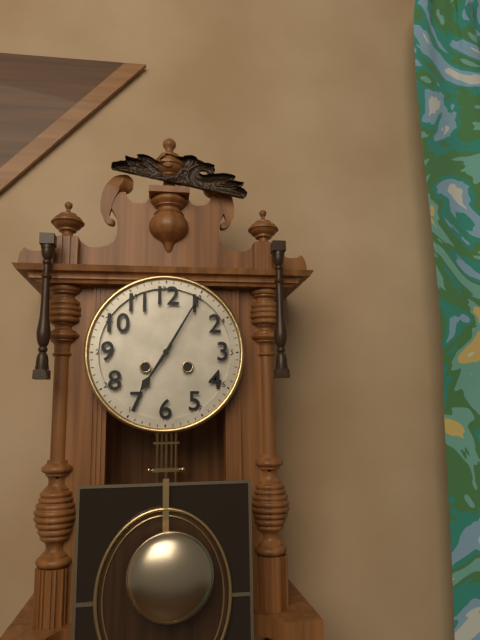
7,05
